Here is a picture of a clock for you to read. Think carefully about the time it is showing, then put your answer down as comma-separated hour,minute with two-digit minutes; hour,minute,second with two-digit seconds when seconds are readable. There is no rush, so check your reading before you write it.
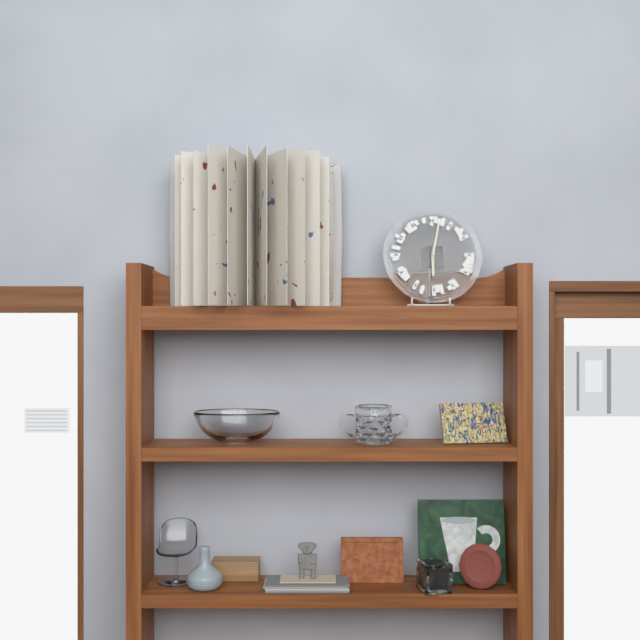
6,02
